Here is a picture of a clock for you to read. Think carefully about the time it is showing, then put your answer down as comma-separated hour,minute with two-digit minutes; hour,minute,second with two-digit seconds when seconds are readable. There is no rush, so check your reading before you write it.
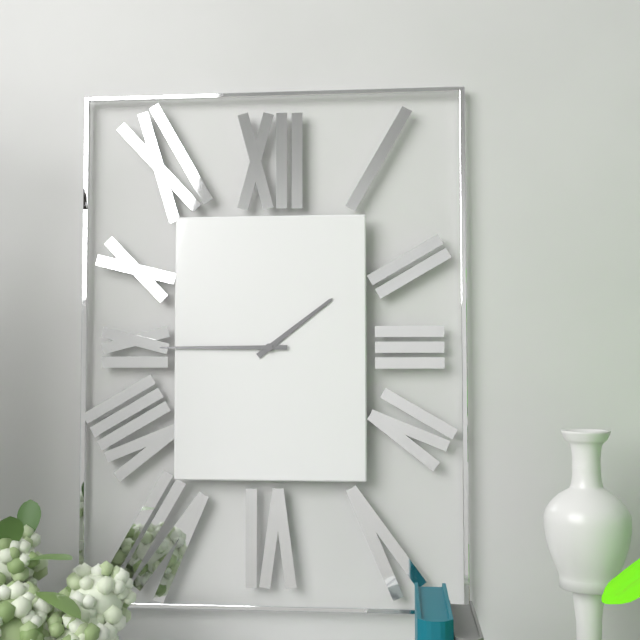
1,45
